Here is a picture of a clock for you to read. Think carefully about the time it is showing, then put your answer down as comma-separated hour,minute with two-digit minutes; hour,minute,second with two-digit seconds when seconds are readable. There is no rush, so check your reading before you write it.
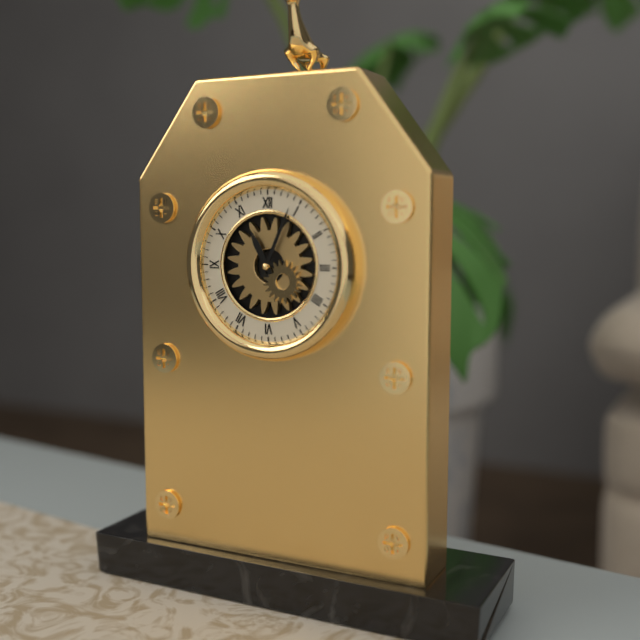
11,04
